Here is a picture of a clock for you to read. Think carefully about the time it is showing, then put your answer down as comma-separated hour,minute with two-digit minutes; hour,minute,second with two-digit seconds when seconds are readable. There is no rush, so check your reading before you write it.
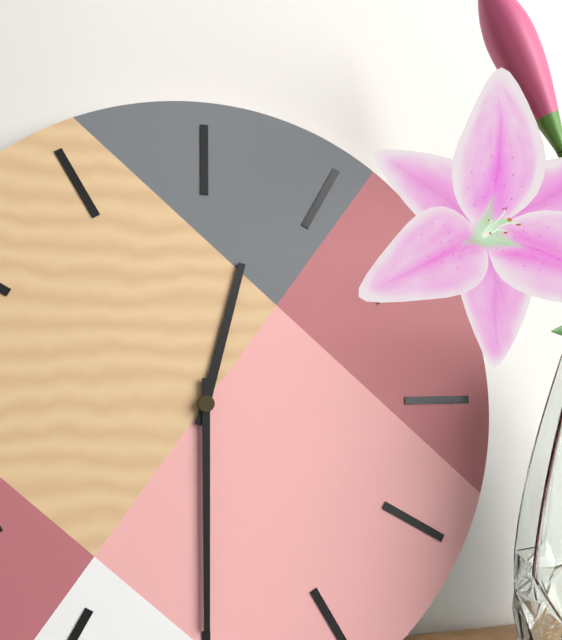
12,30
